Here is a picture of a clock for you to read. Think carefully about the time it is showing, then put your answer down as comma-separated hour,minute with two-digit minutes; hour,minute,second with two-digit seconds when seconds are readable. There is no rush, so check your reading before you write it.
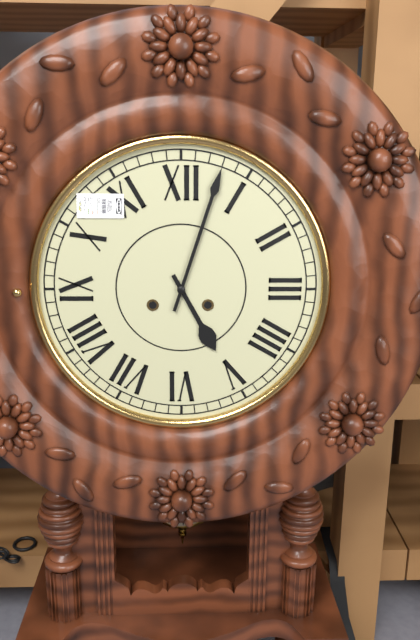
5,03
